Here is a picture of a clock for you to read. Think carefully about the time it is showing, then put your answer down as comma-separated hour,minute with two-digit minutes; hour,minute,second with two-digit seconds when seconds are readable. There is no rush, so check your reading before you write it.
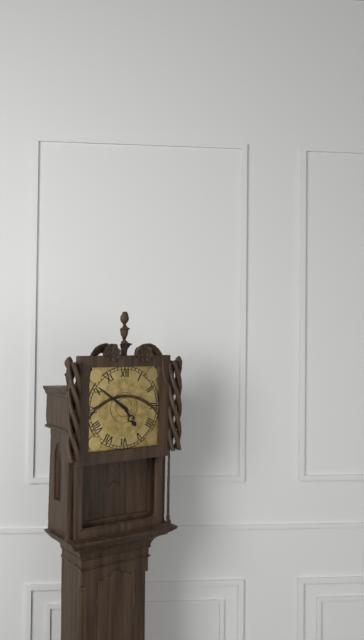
4,51
